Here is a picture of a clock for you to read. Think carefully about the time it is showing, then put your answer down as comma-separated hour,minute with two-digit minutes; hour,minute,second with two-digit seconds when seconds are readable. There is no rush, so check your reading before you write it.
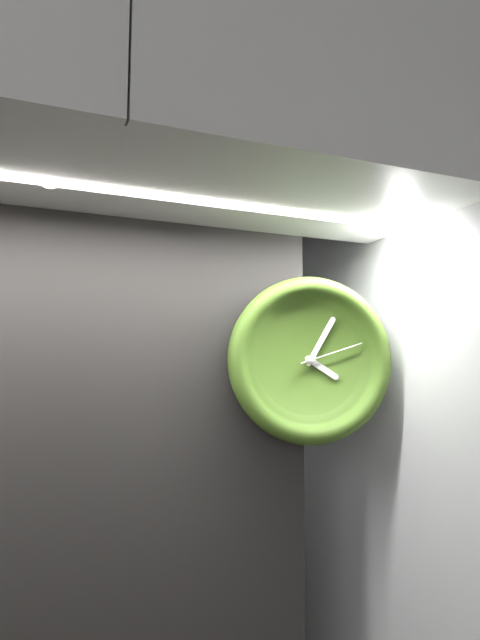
4,05,12
